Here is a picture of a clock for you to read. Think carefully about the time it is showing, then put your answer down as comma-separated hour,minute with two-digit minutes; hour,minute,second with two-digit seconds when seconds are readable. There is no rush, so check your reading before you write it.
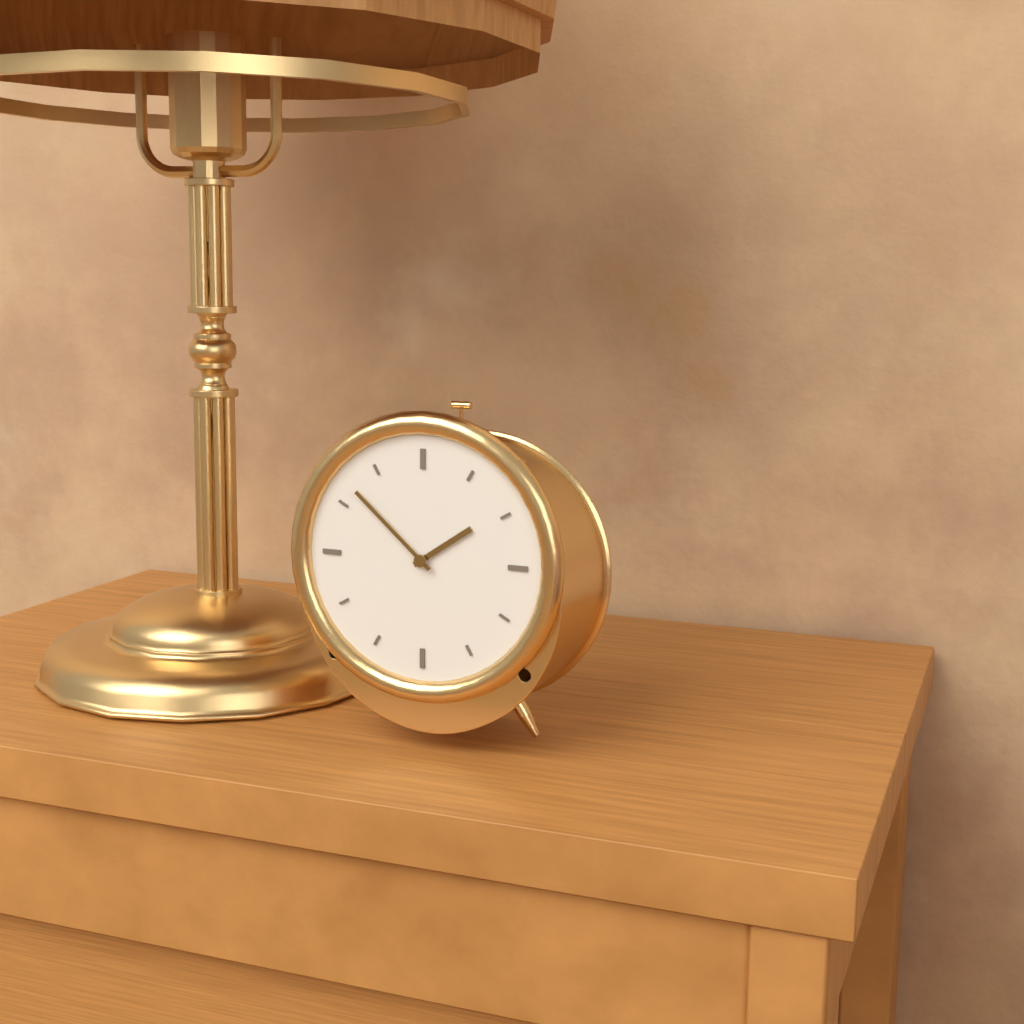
1,52
